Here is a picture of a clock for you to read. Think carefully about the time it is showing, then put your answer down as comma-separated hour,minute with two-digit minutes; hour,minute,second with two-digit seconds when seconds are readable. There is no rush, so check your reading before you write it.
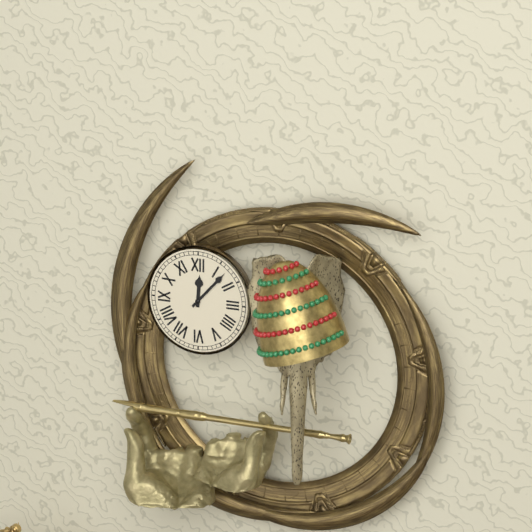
12,07
